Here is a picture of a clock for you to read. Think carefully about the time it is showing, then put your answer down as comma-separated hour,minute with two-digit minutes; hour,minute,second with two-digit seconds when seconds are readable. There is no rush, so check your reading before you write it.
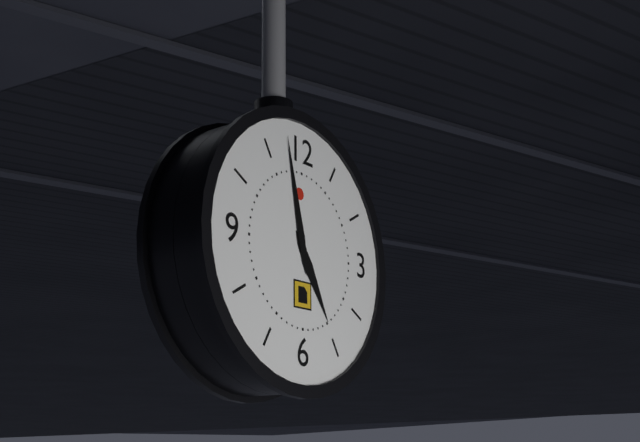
4,58
